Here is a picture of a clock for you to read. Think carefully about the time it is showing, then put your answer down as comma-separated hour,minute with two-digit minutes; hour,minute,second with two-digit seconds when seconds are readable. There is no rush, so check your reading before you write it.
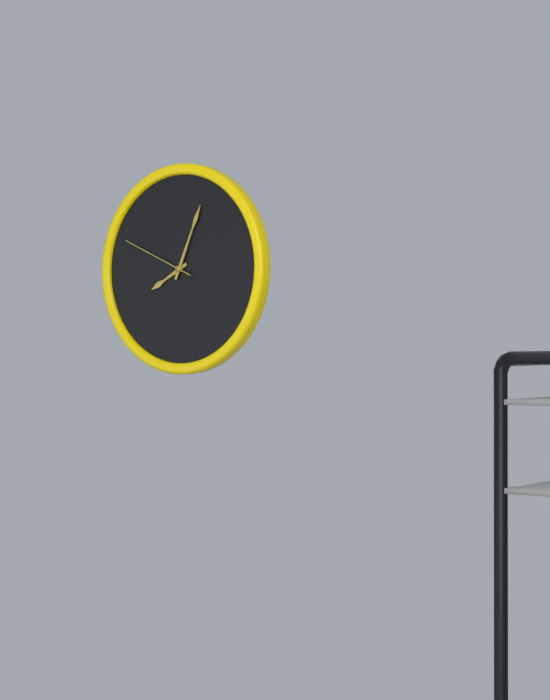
8,04,49
